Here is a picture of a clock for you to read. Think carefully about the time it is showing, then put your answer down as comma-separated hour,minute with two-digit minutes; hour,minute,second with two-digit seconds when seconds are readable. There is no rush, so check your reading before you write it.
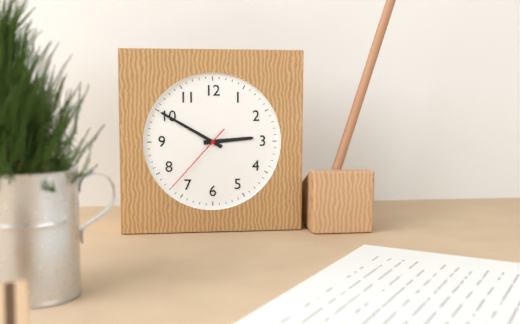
2,50,37
